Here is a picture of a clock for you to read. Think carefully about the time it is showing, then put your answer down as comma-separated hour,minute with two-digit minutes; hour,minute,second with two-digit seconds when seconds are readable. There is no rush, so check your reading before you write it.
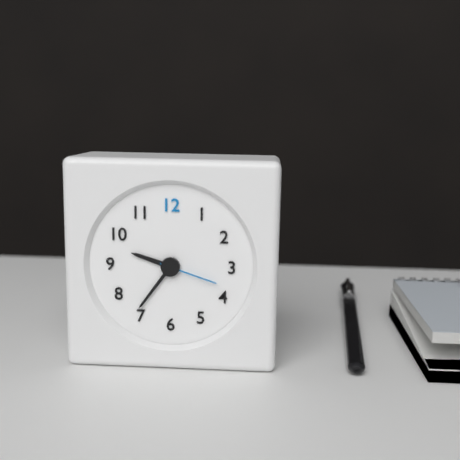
9,36,18
